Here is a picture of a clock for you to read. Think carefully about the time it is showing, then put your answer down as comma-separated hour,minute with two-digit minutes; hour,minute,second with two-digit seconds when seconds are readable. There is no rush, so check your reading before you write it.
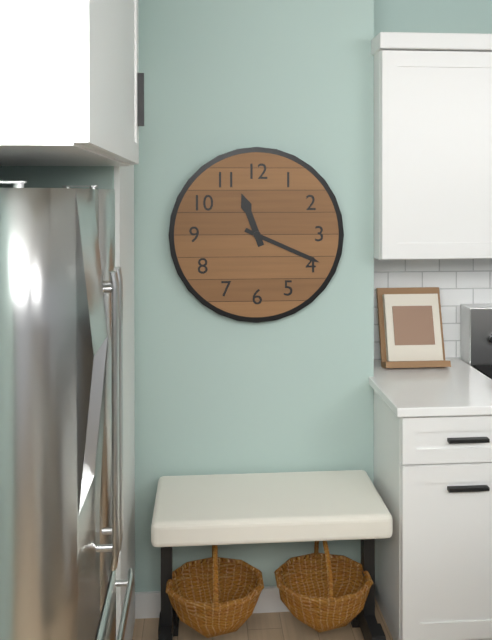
11,19
